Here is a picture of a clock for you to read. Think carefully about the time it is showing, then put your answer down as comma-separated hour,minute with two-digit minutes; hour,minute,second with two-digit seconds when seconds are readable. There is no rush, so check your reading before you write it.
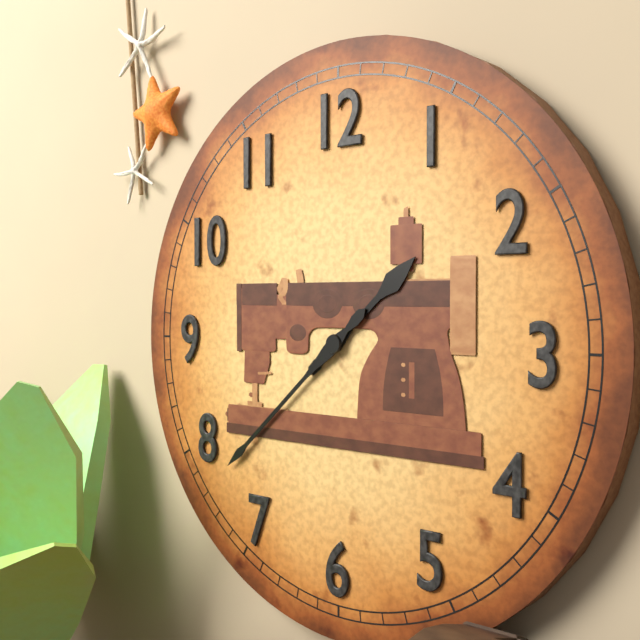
1,38
